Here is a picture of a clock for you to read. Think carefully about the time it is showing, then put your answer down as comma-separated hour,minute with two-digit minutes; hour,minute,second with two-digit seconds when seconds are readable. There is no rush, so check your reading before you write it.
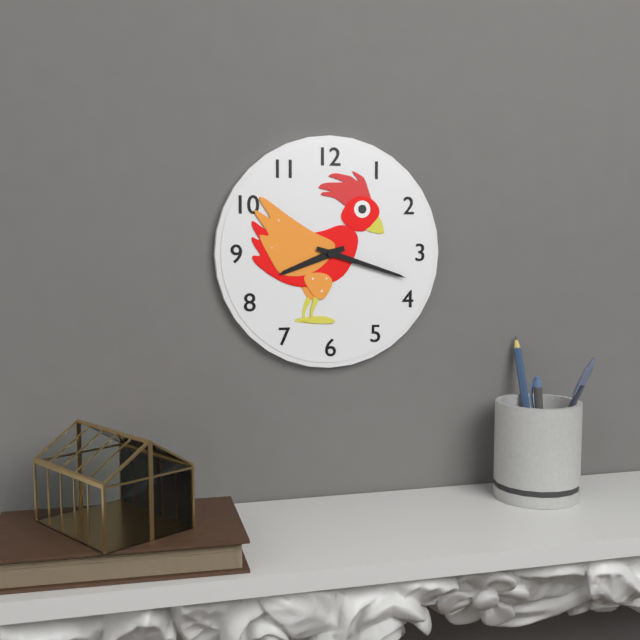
8,18
